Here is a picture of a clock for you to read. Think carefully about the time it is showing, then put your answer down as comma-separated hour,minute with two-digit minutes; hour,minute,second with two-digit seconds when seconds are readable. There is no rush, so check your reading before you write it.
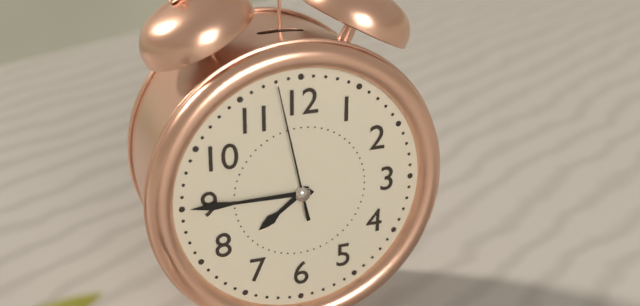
7,45,58
